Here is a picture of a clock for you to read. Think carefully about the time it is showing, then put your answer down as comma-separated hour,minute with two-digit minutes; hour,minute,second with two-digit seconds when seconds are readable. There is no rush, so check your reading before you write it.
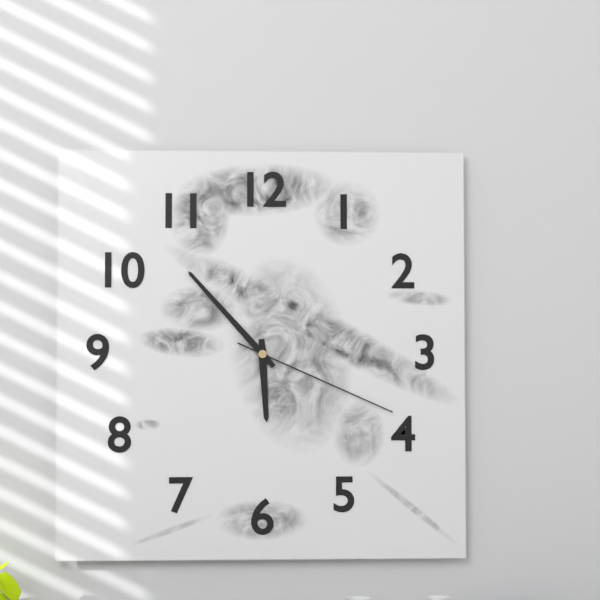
5,53,19
